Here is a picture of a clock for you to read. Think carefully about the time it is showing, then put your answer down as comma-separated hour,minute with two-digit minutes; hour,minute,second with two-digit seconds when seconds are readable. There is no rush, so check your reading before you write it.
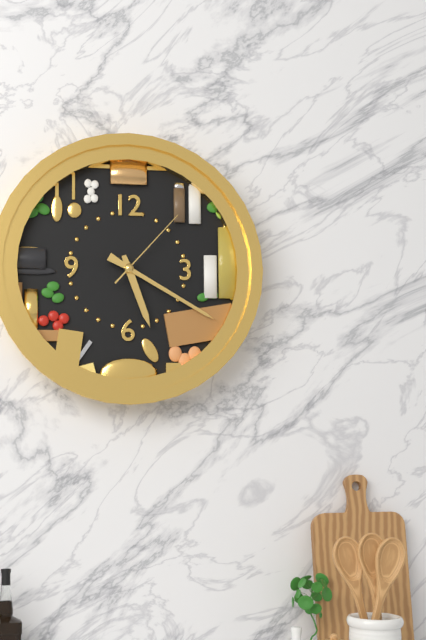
5,20,07
